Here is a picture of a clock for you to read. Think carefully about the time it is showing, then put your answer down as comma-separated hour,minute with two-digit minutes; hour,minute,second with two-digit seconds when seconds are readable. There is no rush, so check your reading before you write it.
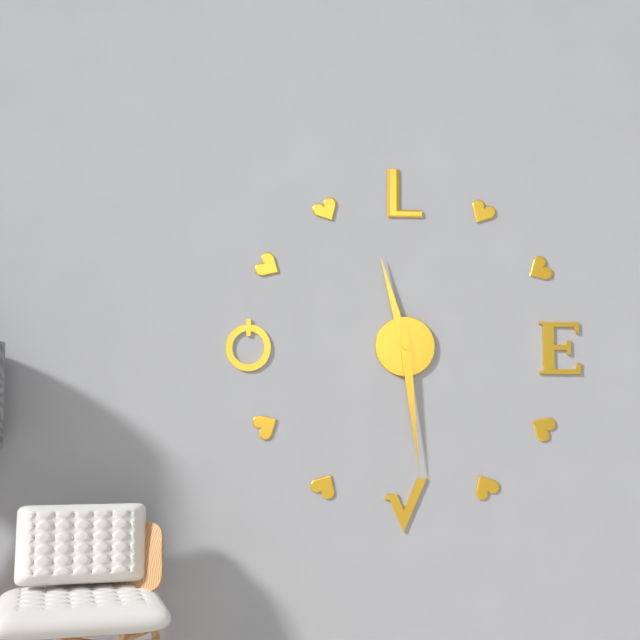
11,29
